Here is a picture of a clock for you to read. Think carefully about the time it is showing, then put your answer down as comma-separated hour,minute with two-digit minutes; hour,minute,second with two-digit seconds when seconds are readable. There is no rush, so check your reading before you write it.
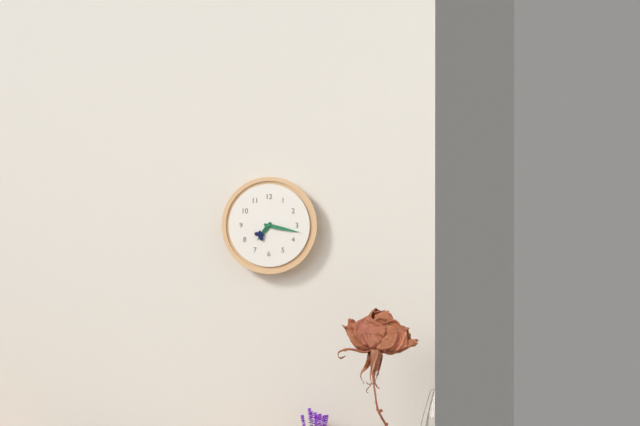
7,17
